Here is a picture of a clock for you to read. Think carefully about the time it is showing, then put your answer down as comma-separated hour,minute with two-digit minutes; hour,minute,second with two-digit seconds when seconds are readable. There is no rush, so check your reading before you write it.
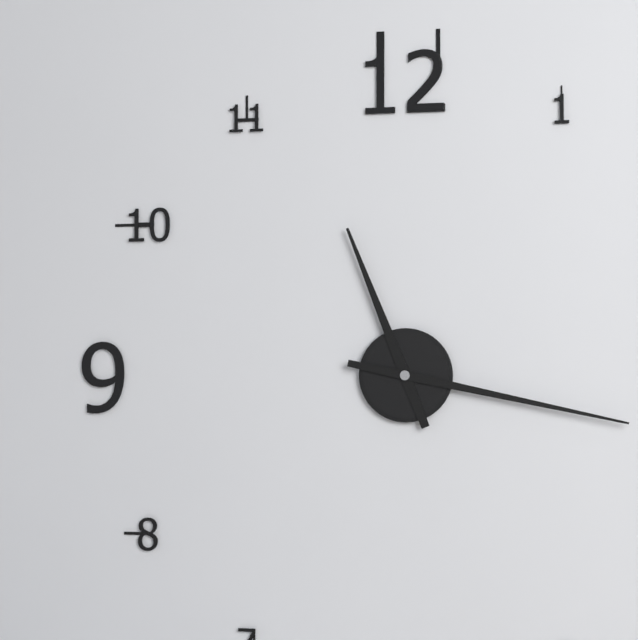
11,17
